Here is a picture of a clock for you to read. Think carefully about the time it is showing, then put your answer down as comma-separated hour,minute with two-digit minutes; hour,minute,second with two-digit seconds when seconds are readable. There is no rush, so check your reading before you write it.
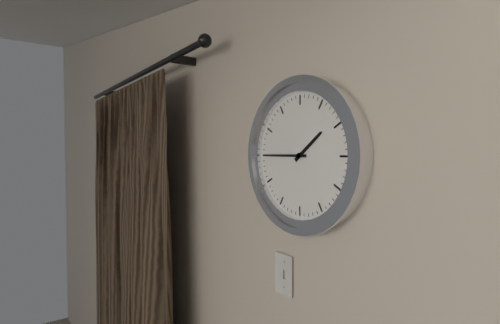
1,45
